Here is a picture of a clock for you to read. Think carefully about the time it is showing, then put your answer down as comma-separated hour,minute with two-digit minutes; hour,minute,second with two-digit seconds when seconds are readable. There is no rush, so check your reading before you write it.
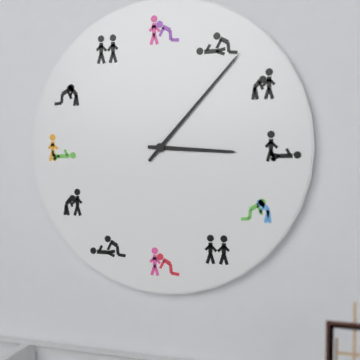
3,07
